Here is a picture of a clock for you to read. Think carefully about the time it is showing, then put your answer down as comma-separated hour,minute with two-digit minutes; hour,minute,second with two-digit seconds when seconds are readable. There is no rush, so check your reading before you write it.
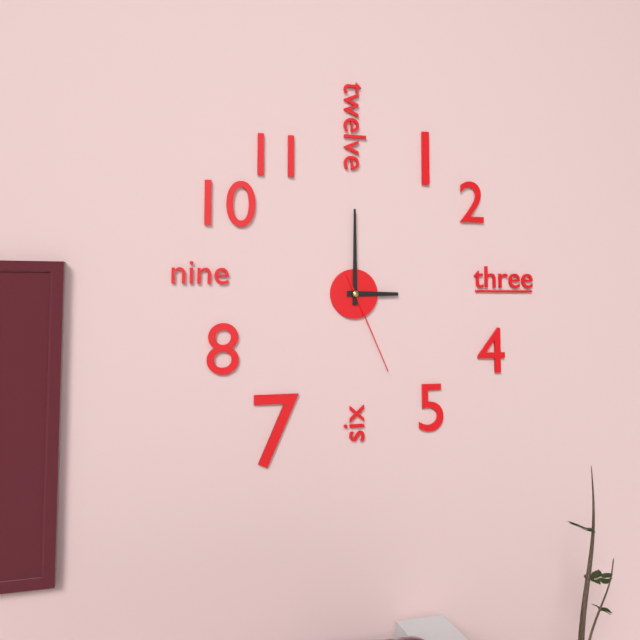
3,00,26
